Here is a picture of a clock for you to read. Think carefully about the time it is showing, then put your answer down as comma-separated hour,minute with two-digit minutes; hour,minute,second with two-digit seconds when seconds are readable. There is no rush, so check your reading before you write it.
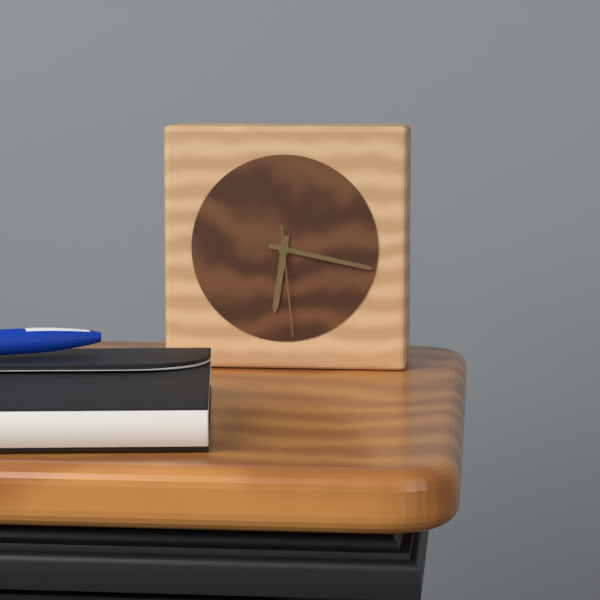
6,17,29
